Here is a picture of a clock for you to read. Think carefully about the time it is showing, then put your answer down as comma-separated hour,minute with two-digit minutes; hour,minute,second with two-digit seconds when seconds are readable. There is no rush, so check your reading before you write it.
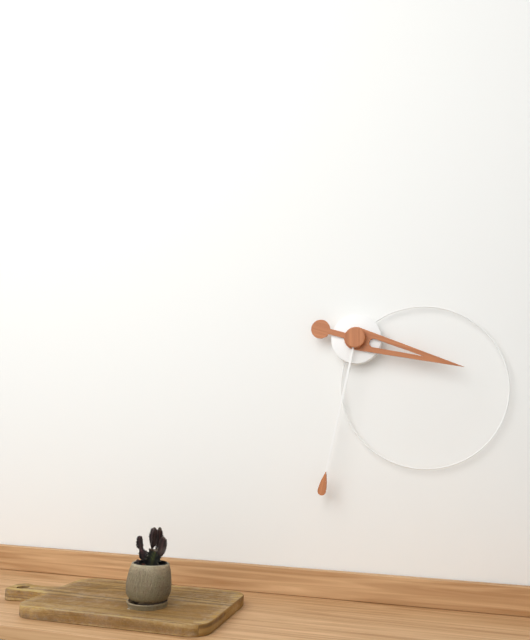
3,32
